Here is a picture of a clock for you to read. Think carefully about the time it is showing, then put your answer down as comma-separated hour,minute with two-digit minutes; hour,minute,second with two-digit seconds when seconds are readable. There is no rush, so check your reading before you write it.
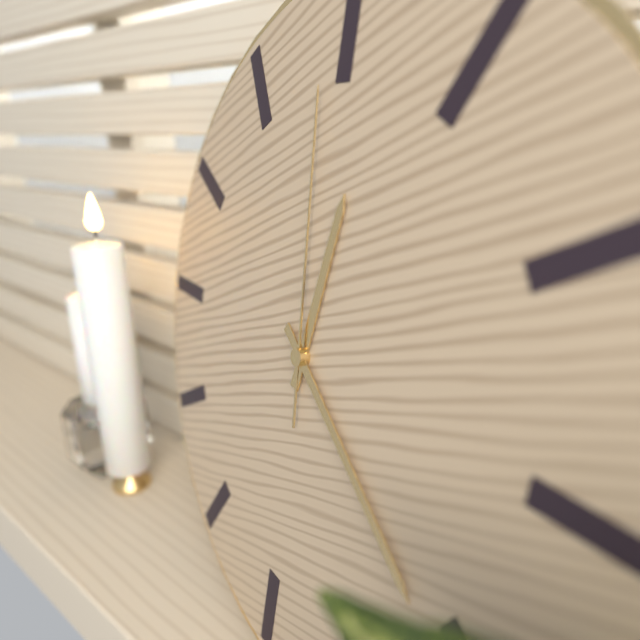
12,21,59
